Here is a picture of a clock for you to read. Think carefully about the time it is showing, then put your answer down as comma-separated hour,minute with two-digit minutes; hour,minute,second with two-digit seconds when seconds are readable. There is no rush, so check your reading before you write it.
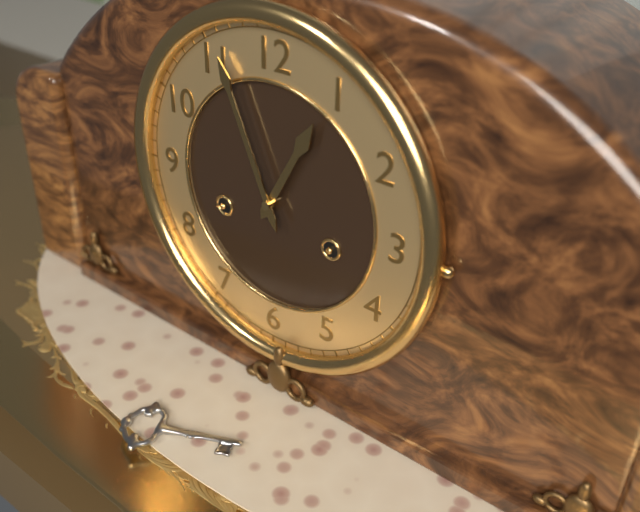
12,56
